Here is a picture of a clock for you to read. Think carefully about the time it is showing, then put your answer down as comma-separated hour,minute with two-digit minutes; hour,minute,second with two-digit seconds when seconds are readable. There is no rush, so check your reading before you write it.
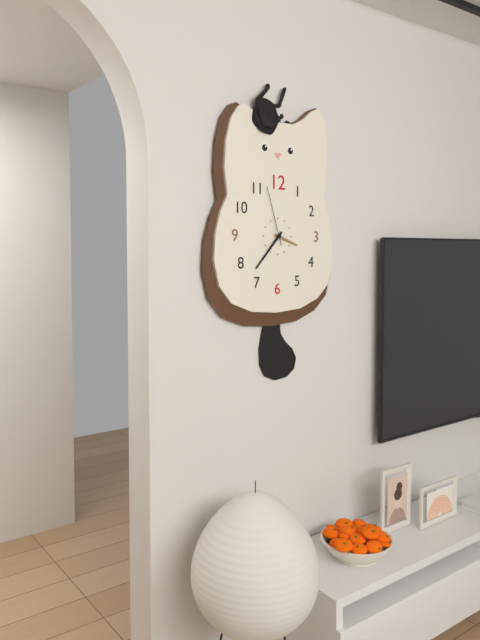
3,37,57
